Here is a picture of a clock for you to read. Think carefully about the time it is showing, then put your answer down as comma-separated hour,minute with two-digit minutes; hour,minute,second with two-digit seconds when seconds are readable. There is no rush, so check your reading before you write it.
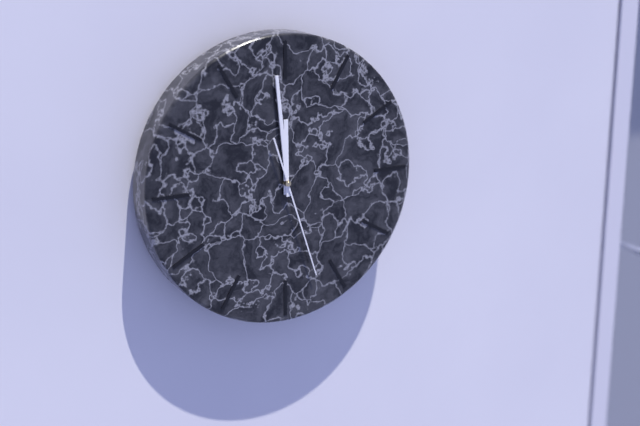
11,59,27
